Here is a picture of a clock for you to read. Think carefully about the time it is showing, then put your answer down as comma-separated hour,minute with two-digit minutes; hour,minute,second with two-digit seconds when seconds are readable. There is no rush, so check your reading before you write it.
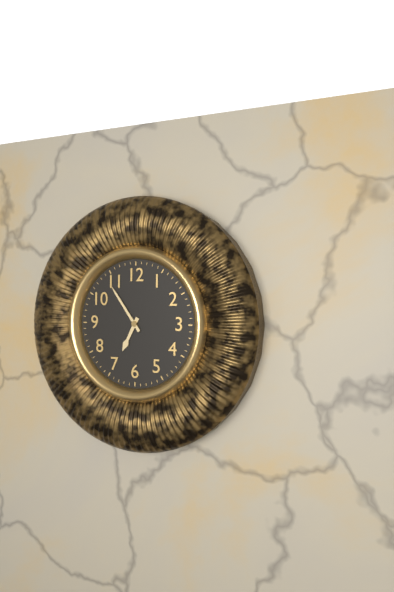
6,54
